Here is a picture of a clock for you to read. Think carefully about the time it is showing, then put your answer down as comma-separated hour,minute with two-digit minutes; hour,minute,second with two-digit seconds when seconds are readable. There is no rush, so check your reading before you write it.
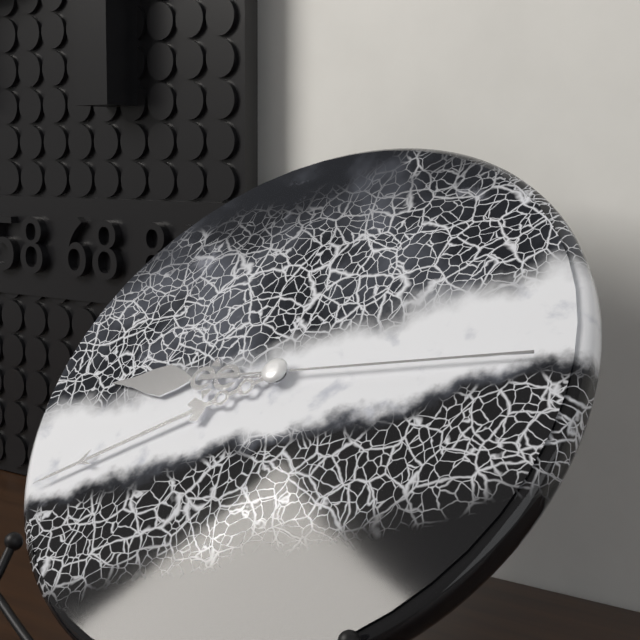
8,39,13
